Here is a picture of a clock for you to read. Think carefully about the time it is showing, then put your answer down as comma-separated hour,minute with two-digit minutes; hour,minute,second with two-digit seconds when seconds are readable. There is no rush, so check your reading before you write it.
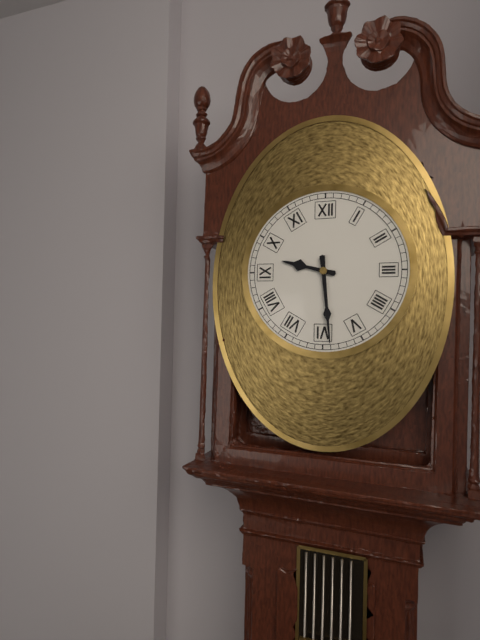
9,29
